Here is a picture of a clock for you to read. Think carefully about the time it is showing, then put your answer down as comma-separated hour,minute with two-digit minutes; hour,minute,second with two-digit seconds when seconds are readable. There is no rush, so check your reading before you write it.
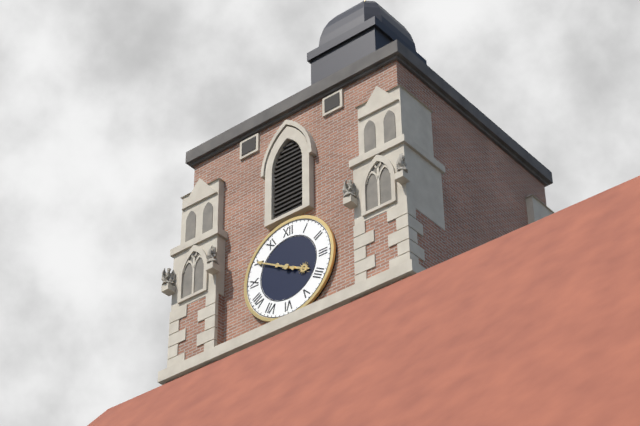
3,50
